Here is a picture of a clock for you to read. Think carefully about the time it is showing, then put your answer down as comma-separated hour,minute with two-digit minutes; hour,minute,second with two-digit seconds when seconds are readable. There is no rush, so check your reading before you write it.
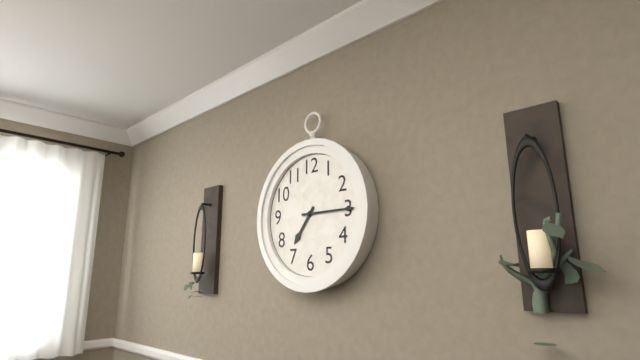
7,15
